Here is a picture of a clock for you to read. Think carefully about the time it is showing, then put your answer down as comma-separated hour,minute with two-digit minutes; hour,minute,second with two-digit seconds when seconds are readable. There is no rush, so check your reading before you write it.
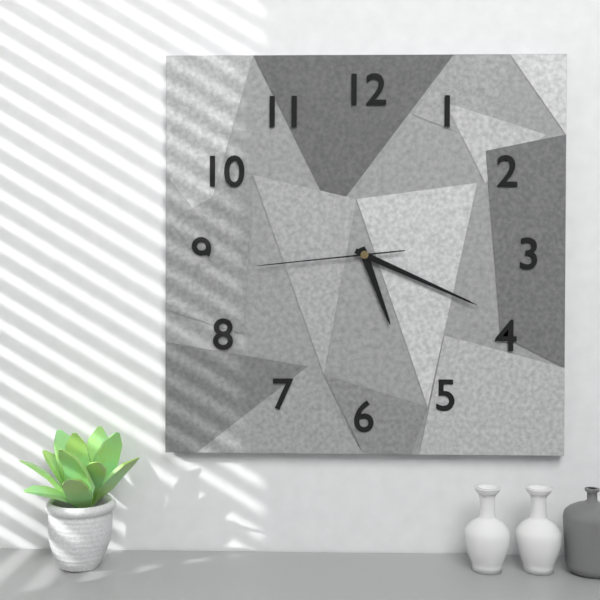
5,19,44
